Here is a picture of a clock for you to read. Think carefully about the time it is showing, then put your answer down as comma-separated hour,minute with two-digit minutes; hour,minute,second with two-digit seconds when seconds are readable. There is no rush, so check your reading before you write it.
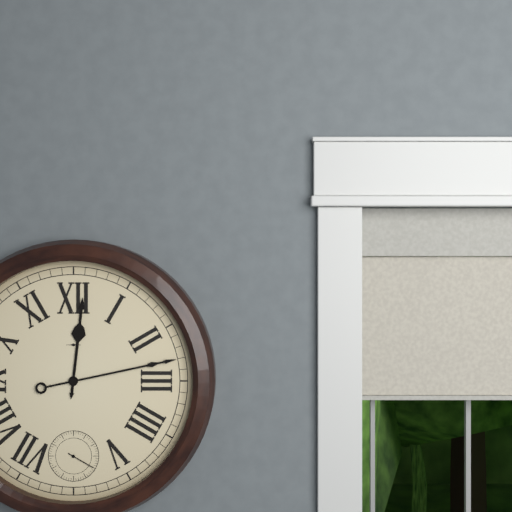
12,13
